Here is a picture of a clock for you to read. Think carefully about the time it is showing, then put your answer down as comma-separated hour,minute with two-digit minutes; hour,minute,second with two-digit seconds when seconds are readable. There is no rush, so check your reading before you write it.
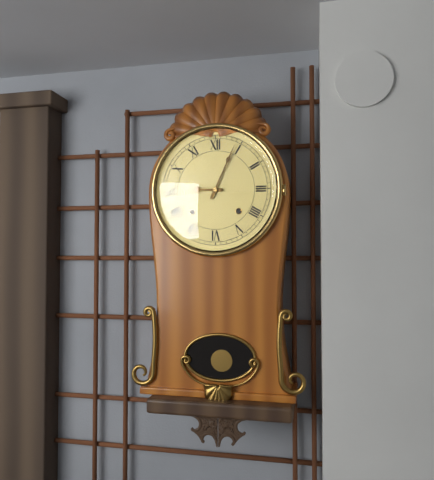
9,04
